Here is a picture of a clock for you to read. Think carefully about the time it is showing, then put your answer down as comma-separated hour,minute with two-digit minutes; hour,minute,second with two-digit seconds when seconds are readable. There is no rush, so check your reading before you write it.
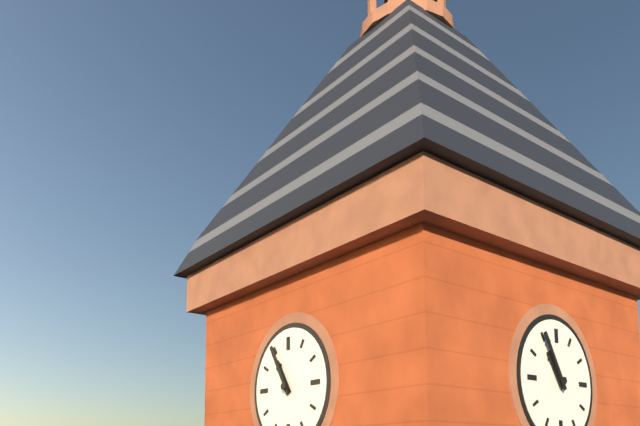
10,55
